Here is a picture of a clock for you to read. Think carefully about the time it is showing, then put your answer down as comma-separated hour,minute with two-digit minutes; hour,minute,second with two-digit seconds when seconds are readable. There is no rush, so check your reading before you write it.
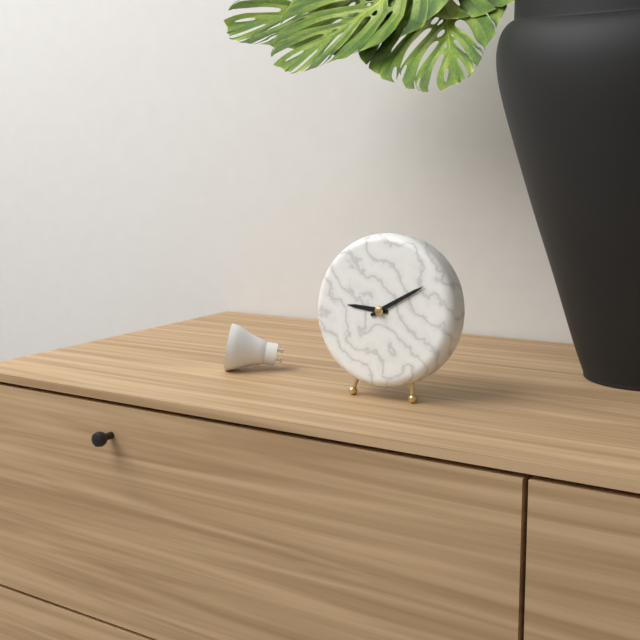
9,10
